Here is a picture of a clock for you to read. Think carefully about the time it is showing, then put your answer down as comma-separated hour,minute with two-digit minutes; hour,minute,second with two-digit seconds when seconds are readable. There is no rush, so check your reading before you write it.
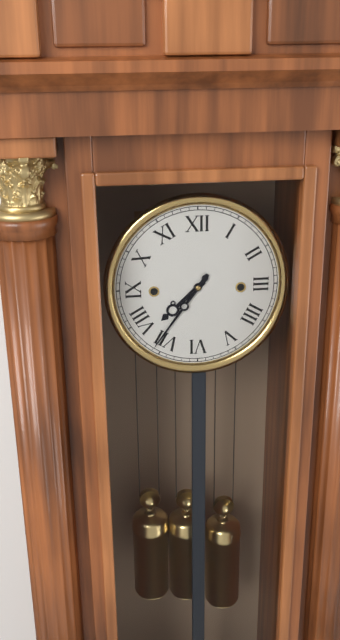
7,36
